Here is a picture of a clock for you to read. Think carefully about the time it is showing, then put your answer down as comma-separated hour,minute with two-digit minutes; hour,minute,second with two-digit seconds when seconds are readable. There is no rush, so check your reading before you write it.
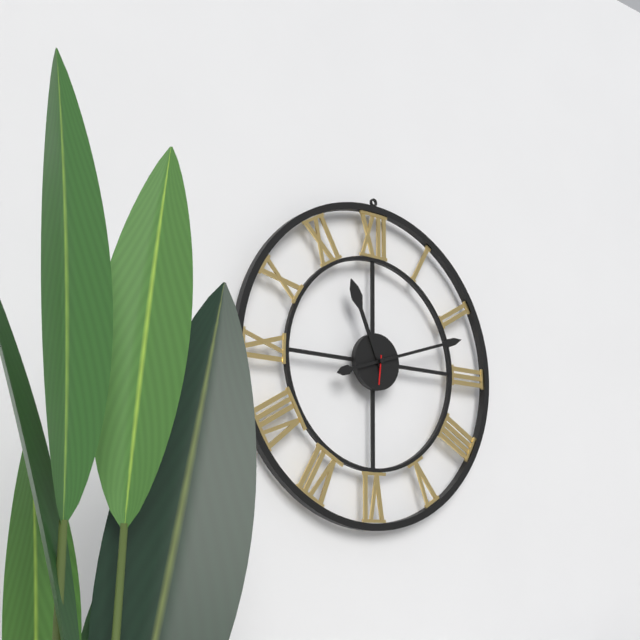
11,12
